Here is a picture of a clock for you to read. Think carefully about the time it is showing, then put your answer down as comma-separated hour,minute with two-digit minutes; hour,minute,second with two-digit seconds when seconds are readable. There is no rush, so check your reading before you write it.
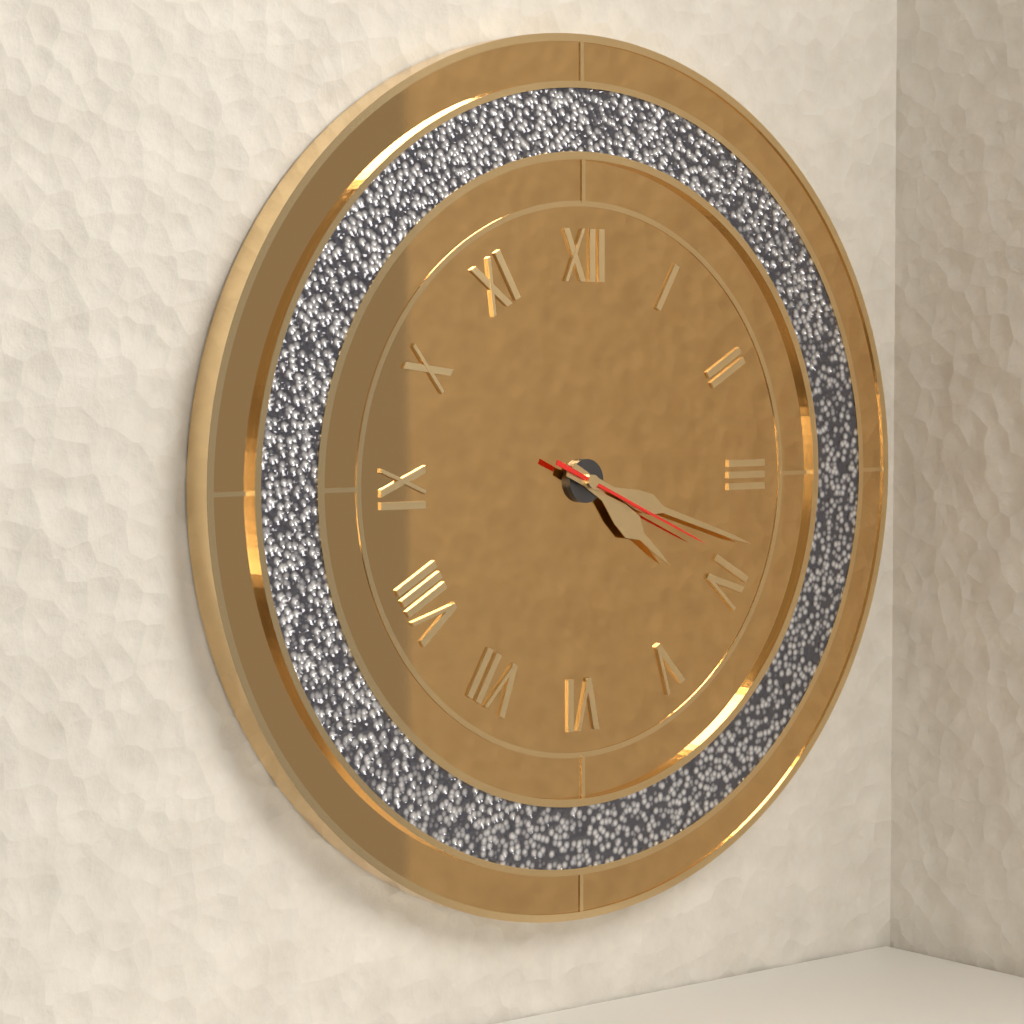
4,18,19
